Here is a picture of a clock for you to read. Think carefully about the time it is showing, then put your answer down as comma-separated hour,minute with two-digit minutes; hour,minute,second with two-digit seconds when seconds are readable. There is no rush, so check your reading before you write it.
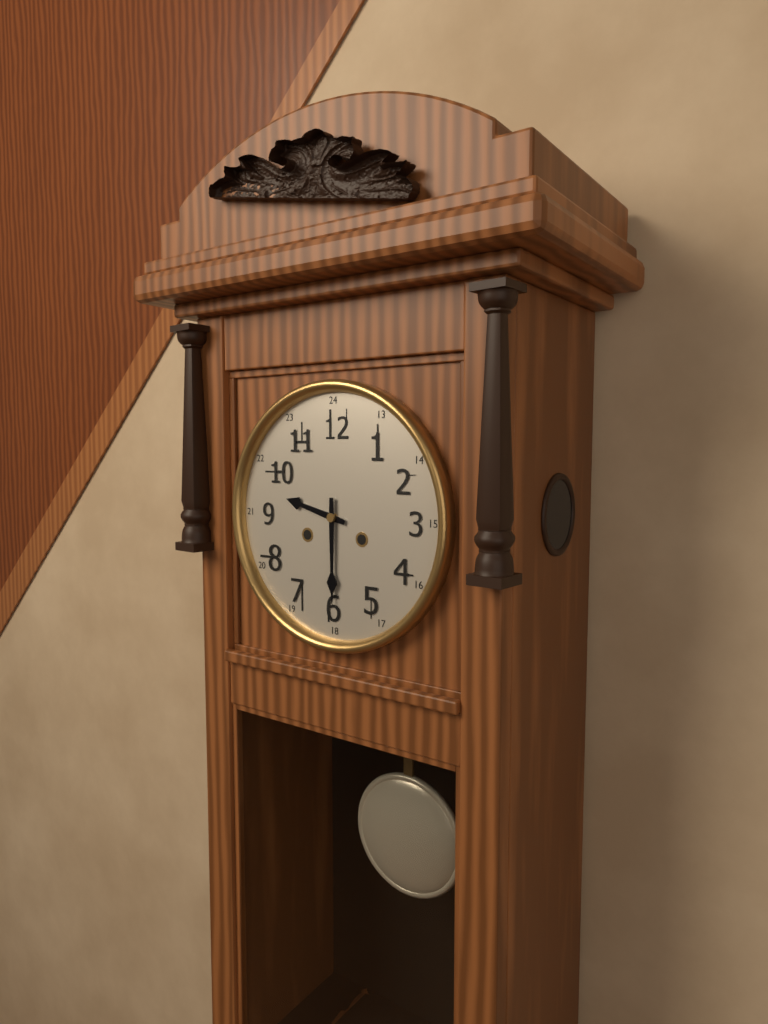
9,30
